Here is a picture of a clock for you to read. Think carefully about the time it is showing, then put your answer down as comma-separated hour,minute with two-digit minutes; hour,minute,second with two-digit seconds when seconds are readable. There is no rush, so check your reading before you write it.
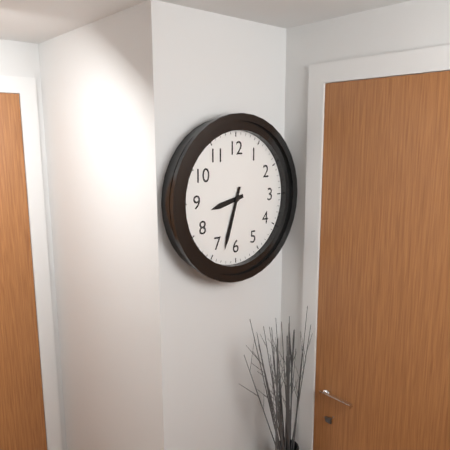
8,33
